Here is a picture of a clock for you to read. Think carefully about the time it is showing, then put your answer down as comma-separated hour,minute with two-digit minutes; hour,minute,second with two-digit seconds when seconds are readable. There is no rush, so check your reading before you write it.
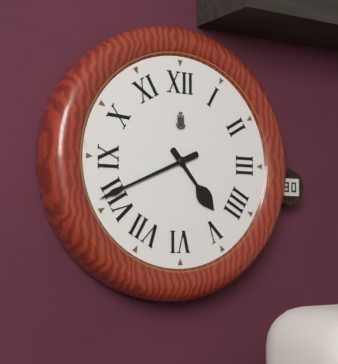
4,41
